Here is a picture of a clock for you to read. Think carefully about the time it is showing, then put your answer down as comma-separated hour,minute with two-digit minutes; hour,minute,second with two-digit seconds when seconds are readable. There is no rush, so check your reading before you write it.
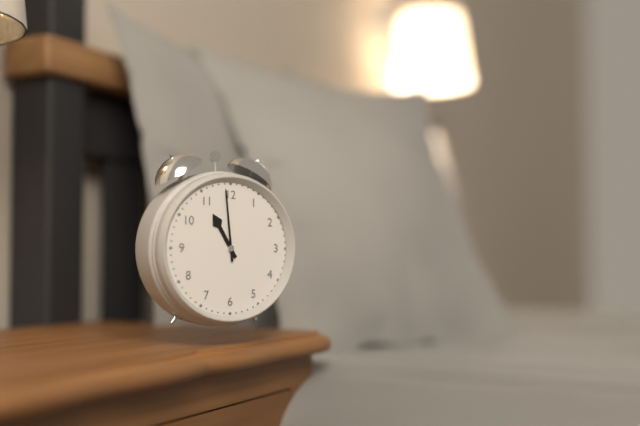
10,59
